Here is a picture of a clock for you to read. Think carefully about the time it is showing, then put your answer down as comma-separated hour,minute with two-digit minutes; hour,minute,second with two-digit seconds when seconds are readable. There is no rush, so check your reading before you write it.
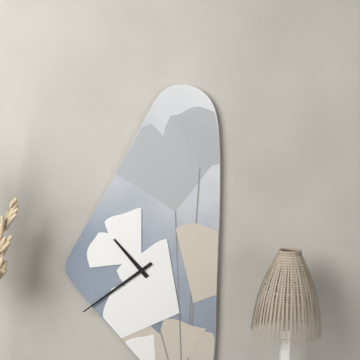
10,39
